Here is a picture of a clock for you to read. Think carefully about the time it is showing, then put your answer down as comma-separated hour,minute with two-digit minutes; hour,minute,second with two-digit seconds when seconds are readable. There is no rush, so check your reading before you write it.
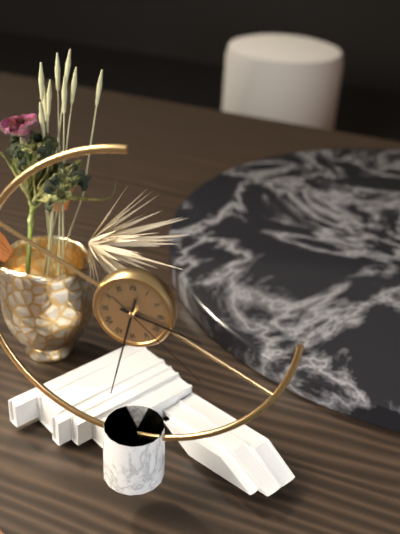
3,32,22
